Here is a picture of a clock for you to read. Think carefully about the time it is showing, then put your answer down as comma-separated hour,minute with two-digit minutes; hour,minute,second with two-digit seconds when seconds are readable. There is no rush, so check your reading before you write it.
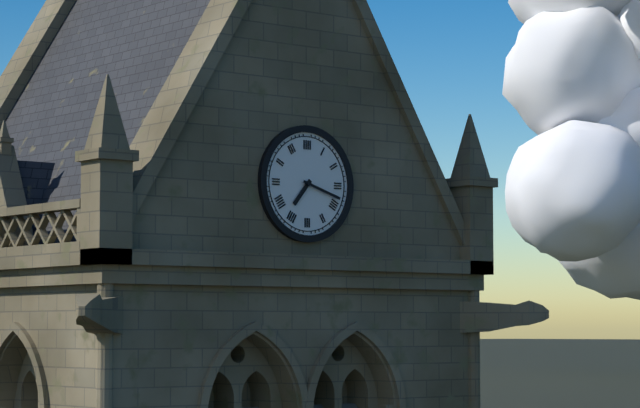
7,18
